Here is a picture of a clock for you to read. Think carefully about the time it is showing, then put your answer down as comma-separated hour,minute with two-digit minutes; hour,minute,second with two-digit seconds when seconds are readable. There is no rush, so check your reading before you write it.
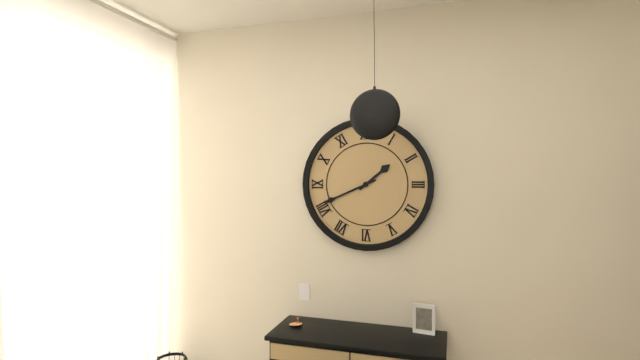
1,41
